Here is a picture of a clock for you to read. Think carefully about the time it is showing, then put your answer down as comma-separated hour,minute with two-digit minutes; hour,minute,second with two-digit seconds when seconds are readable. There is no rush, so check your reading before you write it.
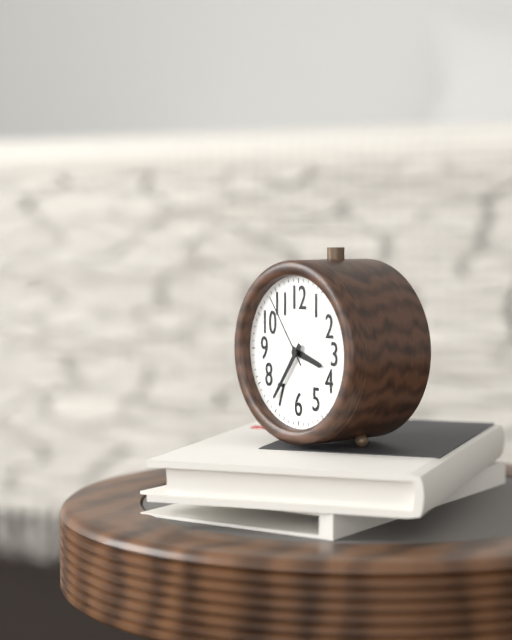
3,36,54
